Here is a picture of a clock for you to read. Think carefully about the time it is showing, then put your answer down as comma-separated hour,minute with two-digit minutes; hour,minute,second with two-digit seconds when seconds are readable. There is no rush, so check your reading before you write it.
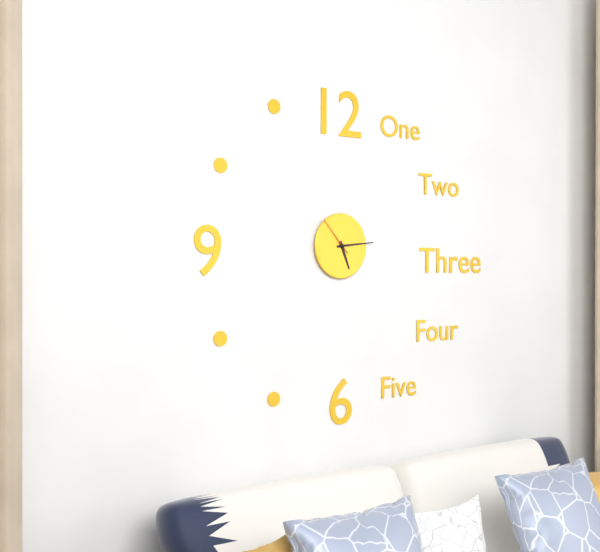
5,14
